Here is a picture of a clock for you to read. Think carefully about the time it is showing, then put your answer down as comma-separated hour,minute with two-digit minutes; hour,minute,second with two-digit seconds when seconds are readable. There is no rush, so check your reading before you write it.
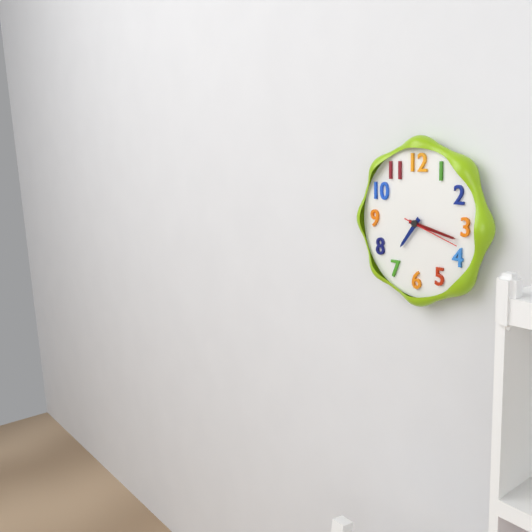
7,17,18
